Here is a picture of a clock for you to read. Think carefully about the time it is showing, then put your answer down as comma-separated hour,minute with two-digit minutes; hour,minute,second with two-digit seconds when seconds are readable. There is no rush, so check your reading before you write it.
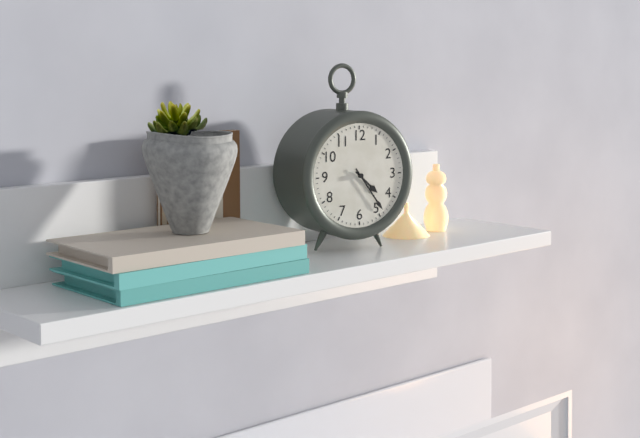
4,24
